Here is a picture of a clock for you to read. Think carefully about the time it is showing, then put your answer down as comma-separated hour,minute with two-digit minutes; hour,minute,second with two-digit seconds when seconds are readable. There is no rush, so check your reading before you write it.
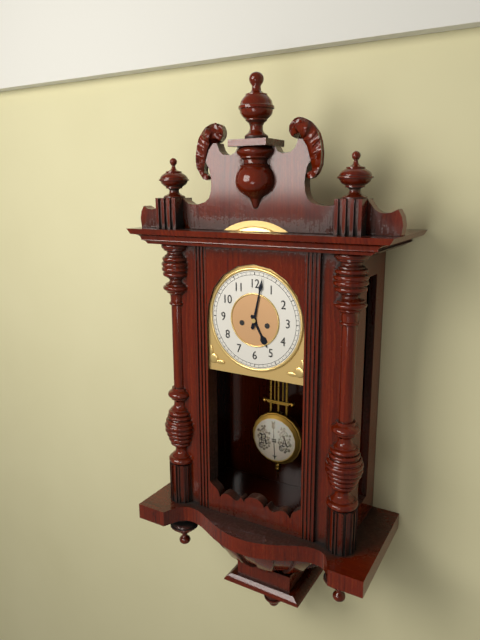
5,02
